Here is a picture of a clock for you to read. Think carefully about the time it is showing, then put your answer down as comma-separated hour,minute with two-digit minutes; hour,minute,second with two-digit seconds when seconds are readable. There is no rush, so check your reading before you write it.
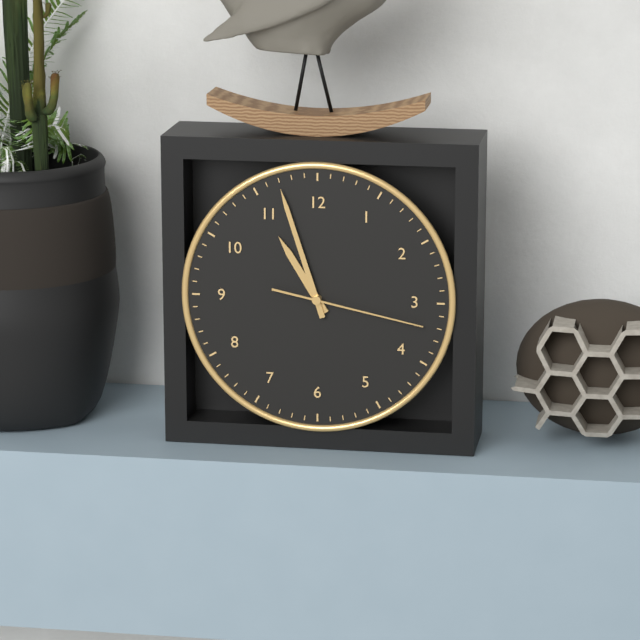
10,57,17
